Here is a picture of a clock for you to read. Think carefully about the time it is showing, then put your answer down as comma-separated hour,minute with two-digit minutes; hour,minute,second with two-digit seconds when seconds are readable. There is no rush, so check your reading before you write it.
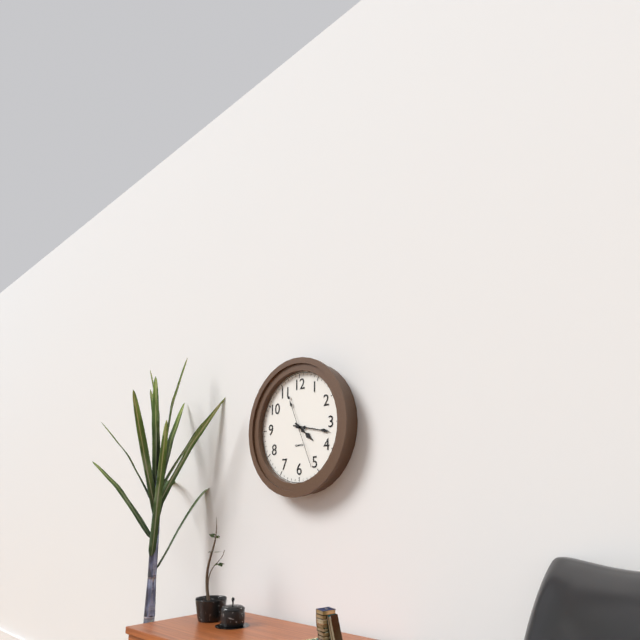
4,17,26
